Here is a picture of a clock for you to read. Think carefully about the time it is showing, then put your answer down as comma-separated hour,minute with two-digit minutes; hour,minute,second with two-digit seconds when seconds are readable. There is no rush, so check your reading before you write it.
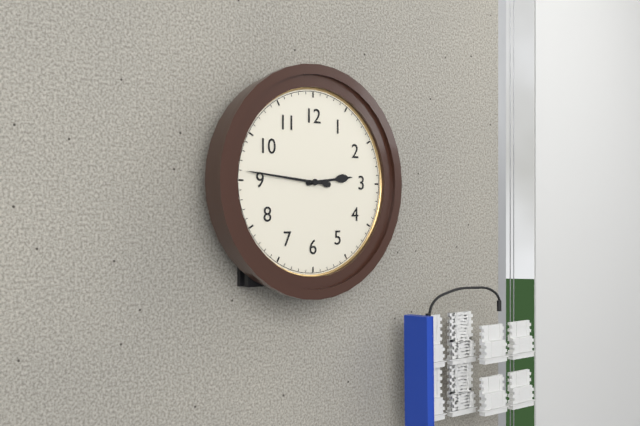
2,46
